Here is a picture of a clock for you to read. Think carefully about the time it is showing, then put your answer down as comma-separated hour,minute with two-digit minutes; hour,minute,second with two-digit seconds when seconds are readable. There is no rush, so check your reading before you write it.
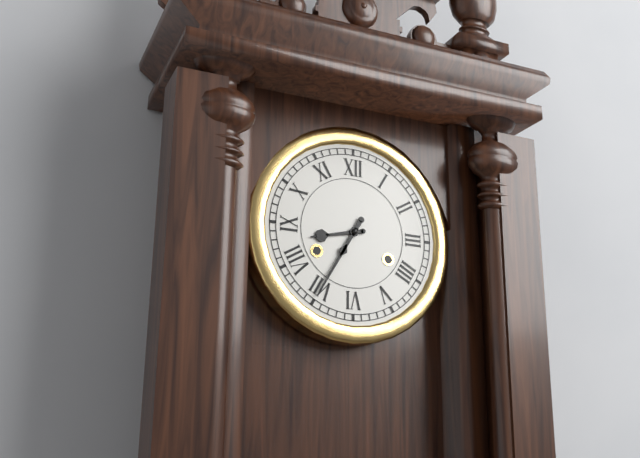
8,35
